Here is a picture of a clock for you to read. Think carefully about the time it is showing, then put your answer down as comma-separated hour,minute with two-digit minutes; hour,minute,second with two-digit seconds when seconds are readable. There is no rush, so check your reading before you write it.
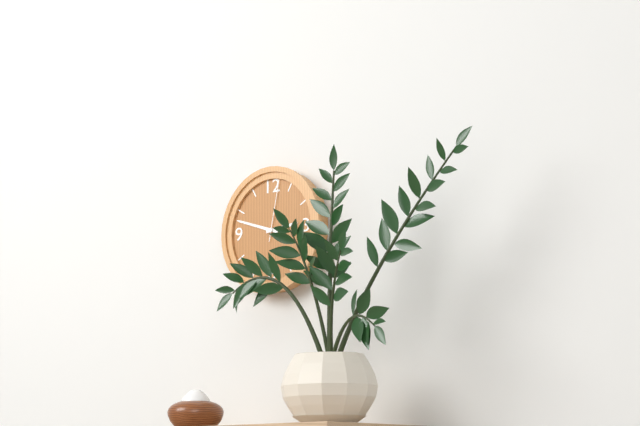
2,48,02
